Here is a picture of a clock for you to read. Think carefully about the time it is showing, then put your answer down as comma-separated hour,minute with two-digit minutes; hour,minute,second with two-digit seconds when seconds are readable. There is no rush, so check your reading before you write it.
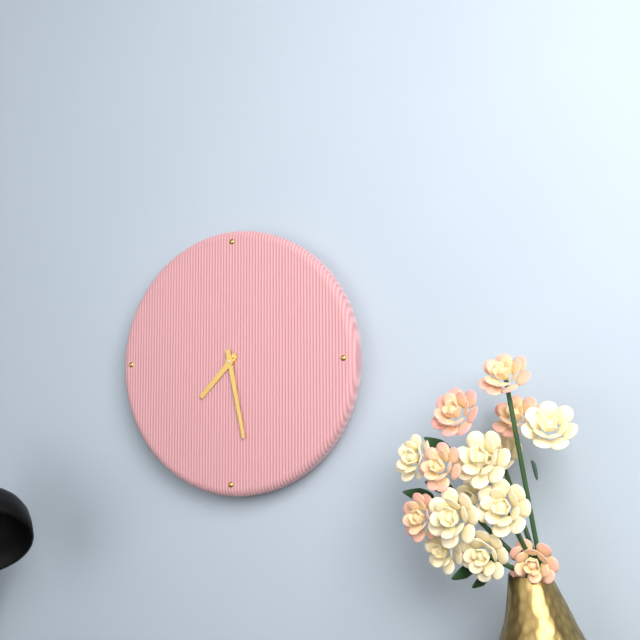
7,28
